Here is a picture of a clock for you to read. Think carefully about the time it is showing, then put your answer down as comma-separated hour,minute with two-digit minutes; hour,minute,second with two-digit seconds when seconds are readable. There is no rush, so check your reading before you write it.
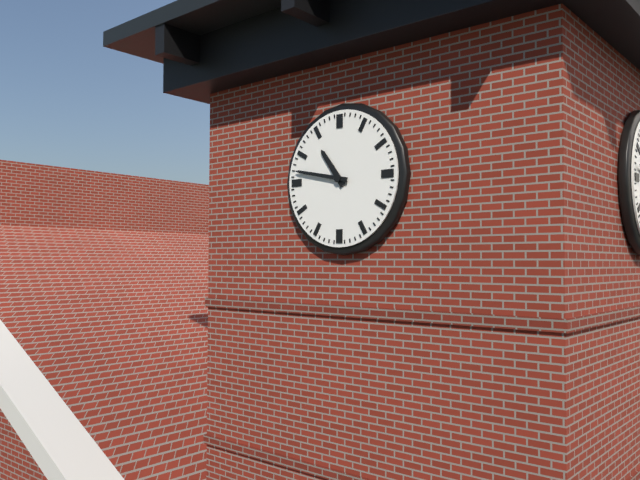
10,47
